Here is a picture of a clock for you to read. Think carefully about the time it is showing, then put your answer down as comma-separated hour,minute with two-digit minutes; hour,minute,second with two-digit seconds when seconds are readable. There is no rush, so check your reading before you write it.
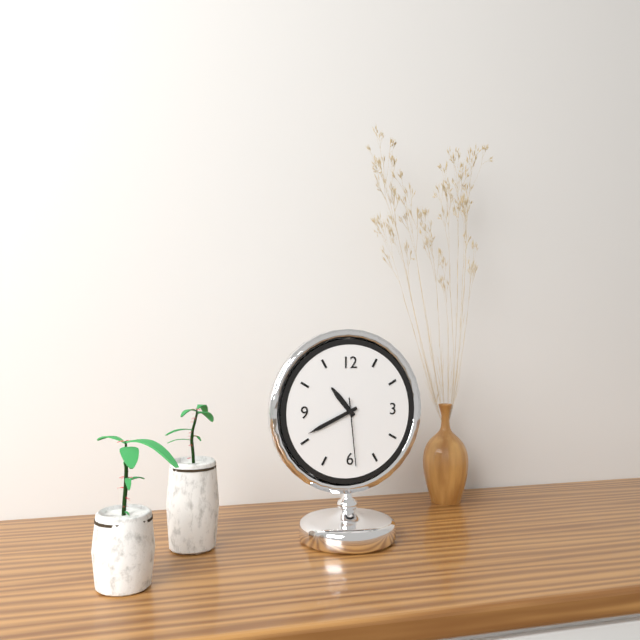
10,41,29
